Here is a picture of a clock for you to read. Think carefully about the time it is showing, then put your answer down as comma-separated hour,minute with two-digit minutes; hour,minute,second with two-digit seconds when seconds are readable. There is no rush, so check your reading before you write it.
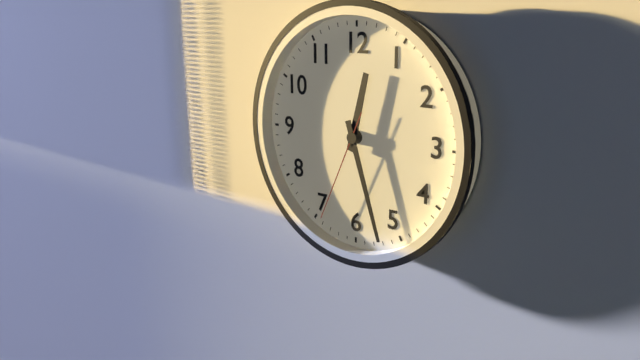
12,27,34
